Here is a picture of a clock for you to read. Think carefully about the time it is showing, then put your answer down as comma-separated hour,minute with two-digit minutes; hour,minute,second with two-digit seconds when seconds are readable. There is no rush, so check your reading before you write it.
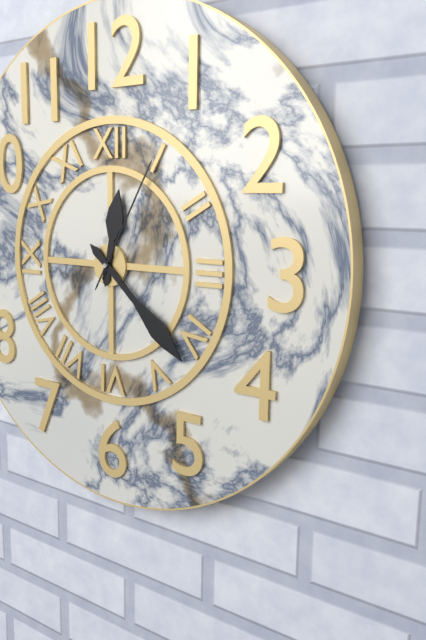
12,22,05
